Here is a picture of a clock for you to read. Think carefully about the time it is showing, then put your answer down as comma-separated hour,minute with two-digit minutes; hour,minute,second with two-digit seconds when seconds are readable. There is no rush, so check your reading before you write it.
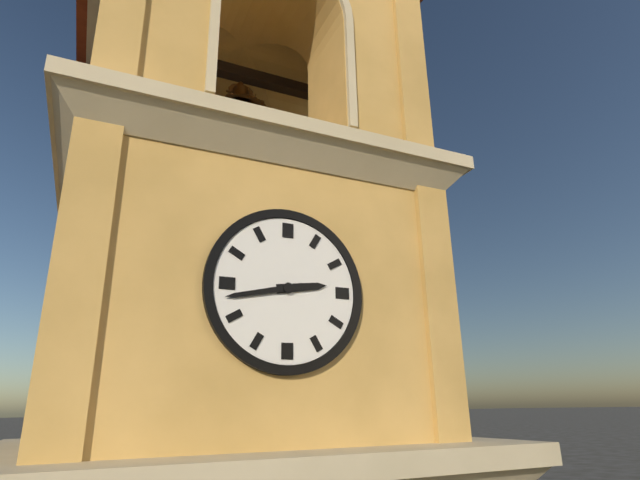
2,43
